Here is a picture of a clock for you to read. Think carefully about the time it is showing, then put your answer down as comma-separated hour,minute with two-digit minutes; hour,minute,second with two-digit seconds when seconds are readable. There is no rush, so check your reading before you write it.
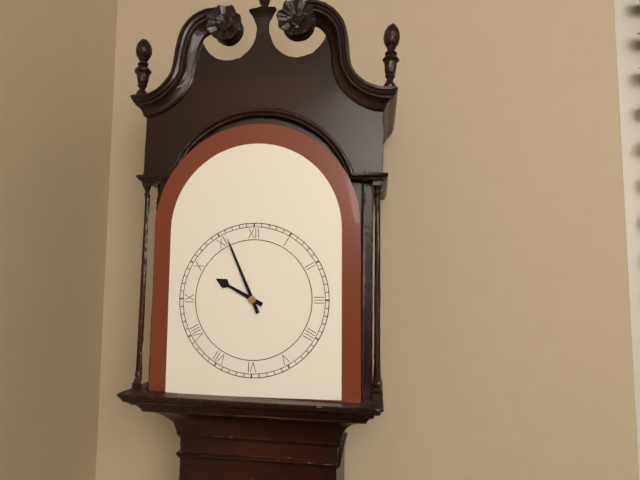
9,56
